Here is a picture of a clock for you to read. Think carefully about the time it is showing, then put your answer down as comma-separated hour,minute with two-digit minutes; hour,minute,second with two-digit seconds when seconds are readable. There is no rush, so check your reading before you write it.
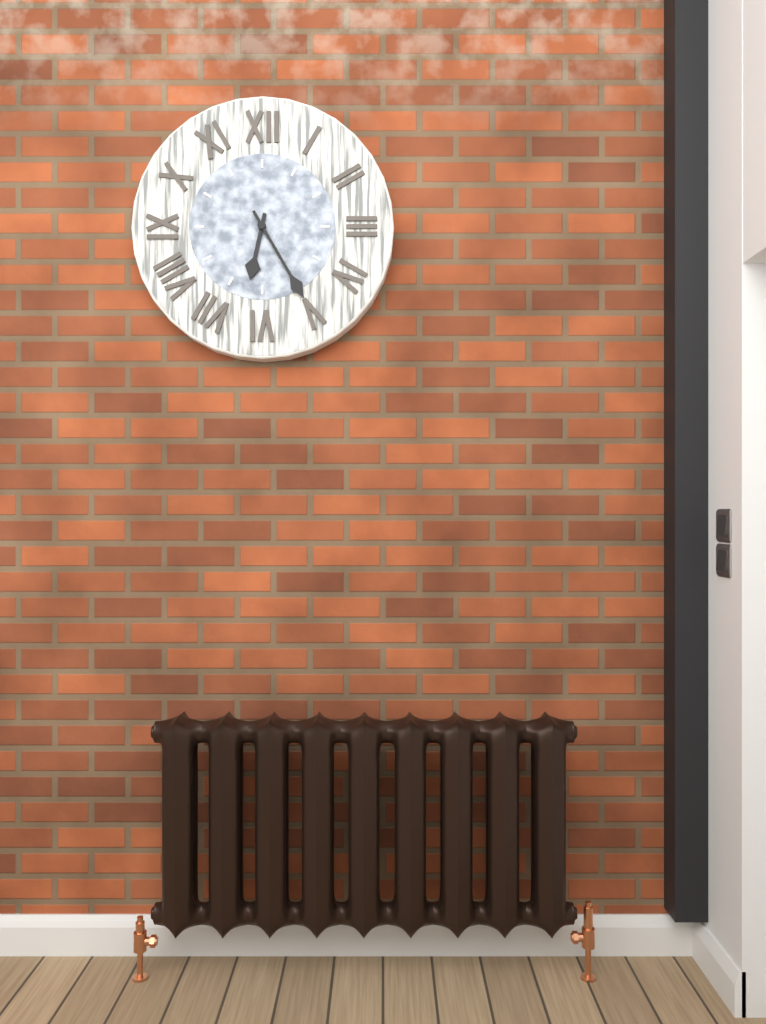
6,25
